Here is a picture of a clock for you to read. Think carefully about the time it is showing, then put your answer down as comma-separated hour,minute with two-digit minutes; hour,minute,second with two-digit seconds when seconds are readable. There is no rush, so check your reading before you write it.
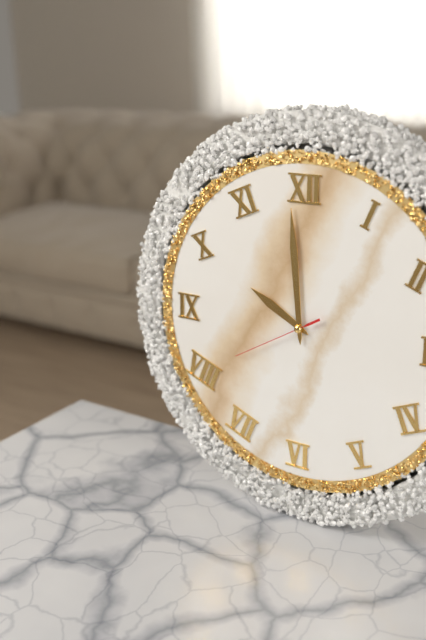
9,59,40
